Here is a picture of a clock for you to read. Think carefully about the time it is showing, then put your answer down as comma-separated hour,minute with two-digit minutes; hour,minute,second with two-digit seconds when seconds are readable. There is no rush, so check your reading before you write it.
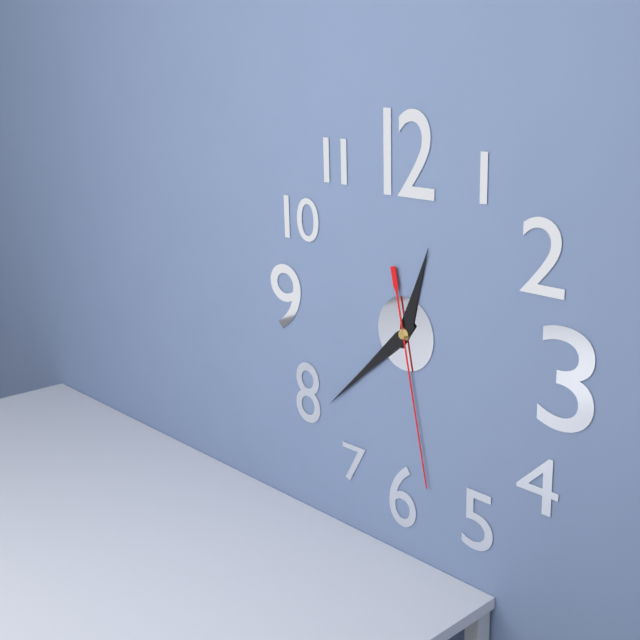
12,38,28
